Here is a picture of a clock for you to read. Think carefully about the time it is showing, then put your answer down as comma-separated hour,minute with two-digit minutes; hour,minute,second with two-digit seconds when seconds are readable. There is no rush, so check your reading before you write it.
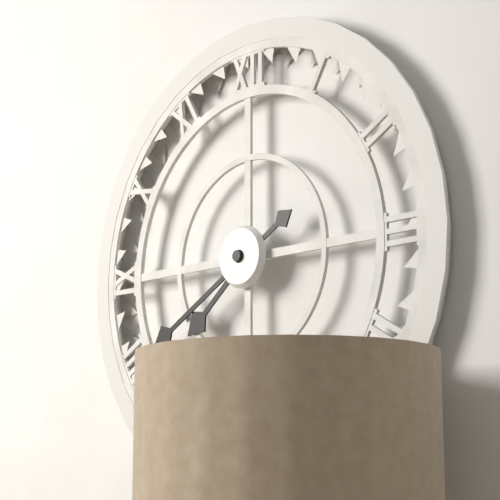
7,40
